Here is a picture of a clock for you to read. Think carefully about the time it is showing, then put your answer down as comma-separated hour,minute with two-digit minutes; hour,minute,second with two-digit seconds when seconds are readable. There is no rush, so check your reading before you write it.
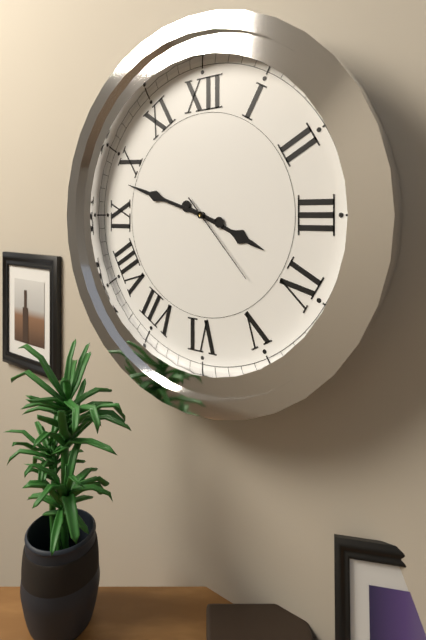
3,48,23
